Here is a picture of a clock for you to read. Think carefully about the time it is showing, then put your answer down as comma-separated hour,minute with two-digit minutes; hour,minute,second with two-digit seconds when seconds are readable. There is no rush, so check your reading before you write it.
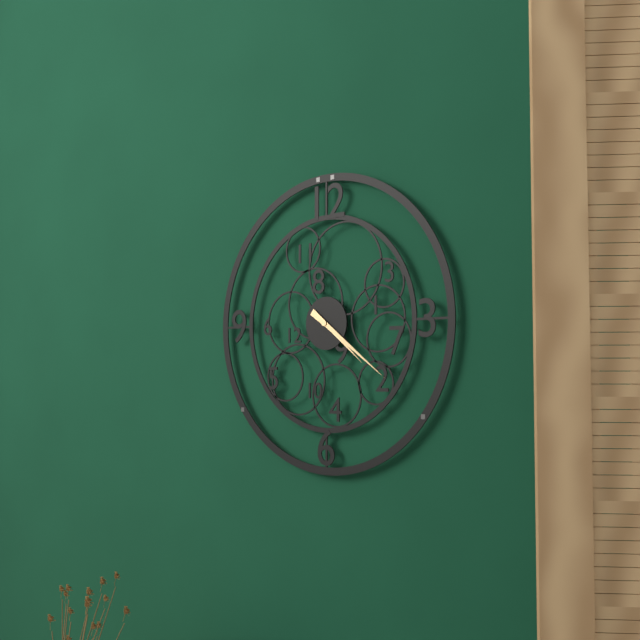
4,21
